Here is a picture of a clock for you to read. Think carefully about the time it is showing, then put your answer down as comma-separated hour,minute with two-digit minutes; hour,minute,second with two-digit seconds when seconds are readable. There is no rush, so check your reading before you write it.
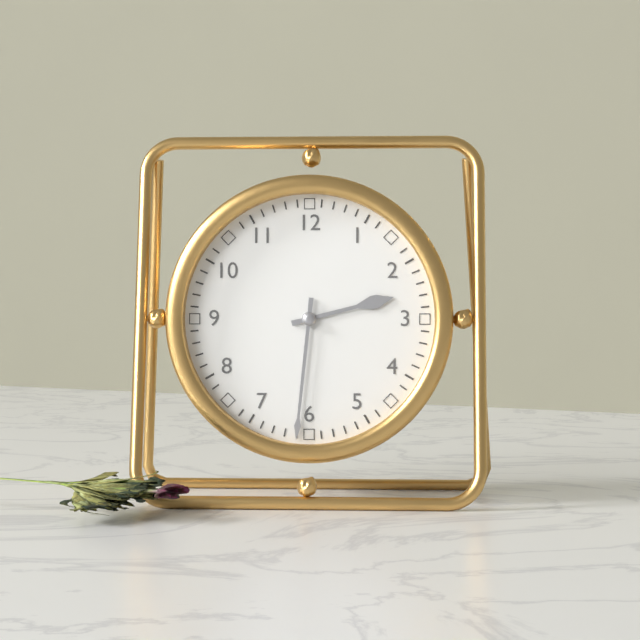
2,31
